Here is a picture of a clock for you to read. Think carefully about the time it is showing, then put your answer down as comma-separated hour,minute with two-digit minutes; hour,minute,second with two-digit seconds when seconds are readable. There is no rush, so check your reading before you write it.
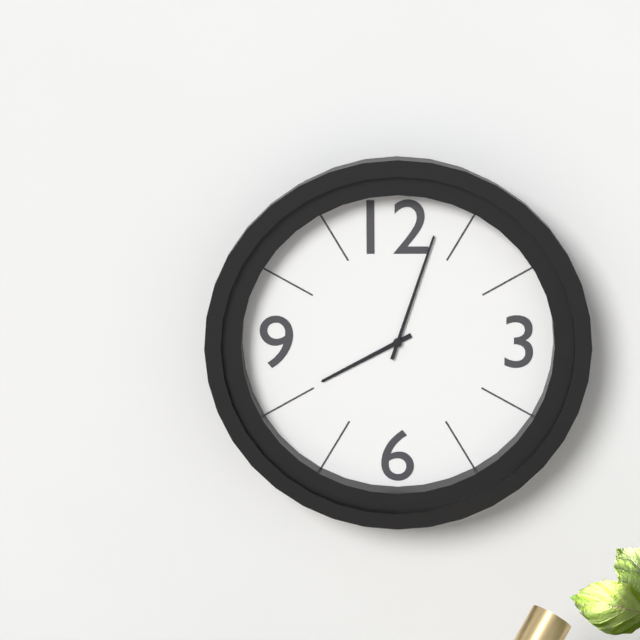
8,03
